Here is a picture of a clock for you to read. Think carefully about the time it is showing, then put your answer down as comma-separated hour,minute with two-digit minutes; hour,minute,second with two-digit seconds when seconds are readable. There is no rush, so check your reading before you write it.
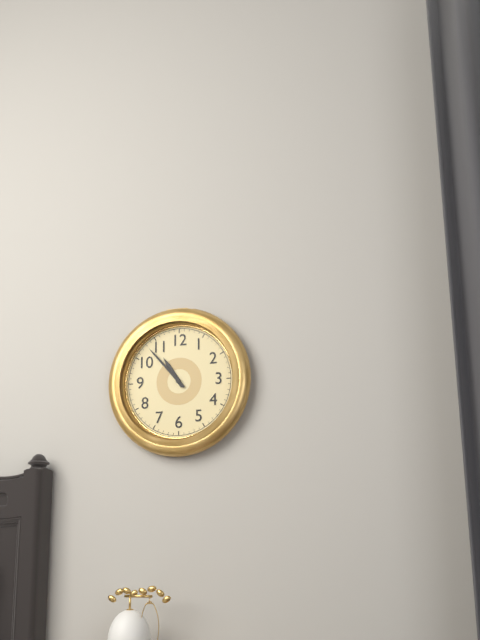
10,53
